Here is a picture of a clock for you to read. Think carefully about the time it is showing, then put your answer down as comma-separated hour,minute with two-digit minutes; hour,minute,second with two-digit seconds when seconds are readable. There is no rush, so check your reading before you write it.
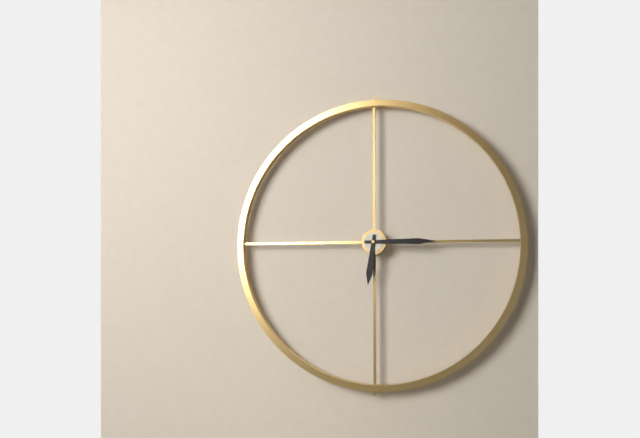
6,15
